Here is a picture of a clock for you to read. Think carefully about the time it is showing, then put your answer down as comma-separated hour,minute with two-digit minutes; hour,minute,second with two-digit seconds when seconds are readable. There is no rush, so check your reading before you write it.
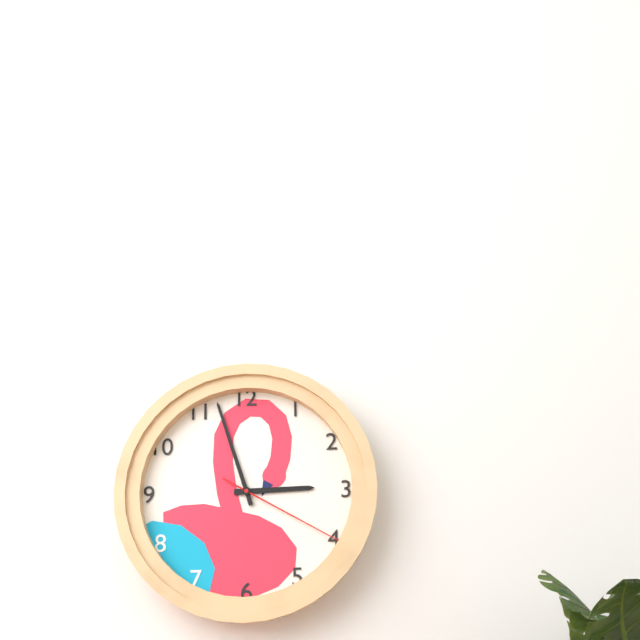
2,57,20
